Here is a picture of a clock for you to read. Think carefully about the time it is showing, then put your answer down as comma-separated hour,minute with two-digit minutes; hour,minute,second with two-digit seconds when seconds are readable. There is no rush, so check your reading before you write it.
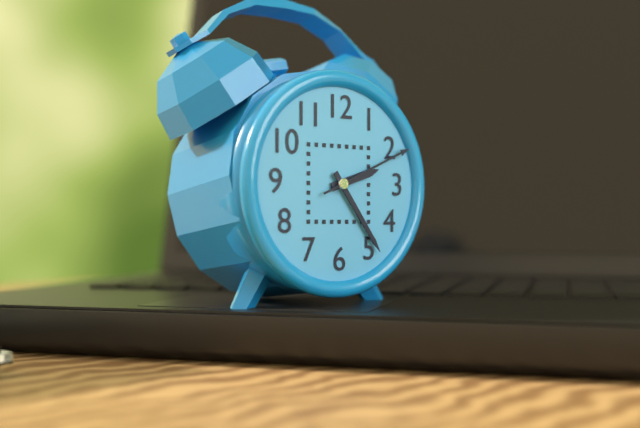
2,24,11
